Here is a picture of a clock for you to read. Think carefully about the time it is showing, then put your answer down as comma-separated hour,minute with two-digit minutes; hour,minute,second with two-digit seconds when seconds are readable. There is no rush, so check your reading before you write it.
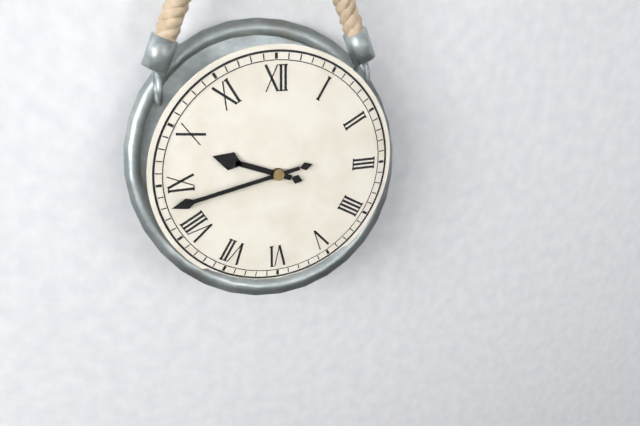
9,43
